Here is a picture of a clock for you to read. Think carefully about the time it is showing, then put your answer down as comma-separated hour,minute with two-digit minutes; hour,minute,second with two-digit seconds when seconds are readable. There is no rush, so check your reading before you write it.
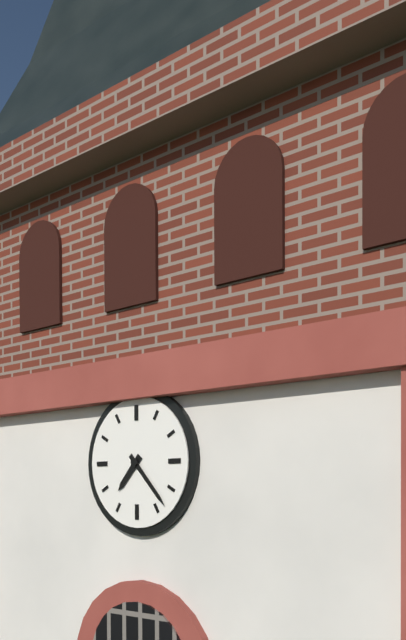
7,23
